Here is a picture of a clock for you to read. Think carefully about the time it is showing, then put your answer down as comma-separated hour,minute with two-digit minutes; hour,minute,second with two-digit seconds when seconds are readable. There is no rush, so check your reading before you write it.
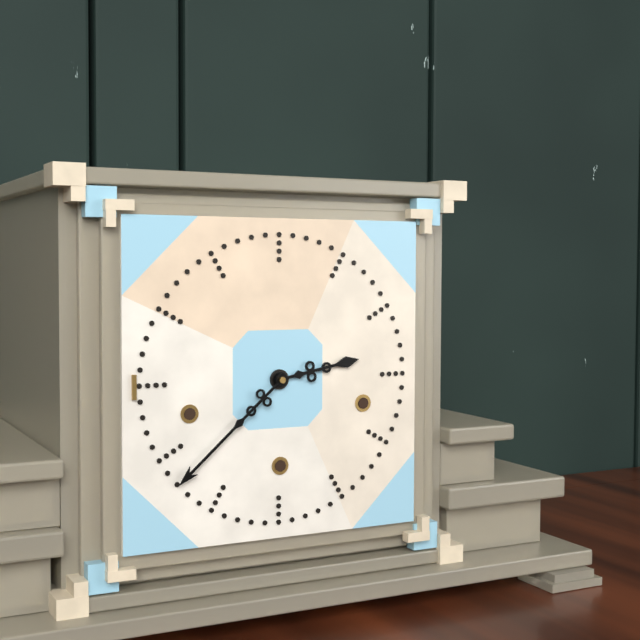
2,38
